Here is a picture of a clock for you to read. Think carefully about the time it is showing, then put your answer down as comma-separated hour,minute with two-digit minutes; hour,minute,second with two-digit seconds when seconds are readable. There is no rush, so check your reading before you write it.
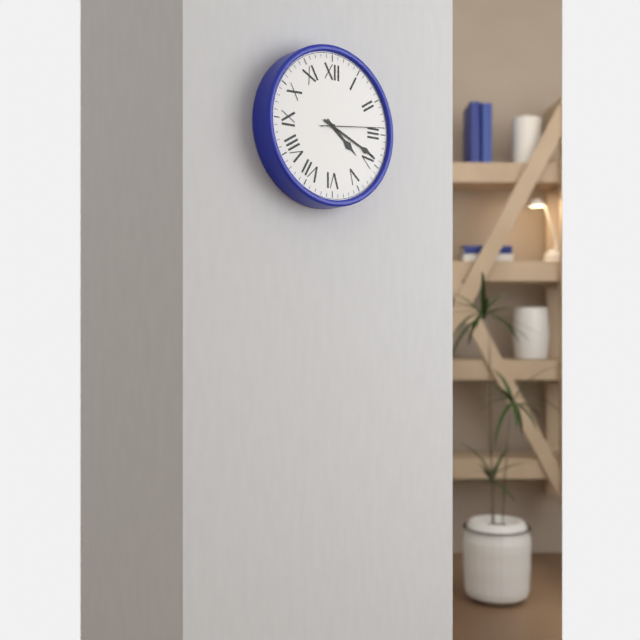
4,19,14
